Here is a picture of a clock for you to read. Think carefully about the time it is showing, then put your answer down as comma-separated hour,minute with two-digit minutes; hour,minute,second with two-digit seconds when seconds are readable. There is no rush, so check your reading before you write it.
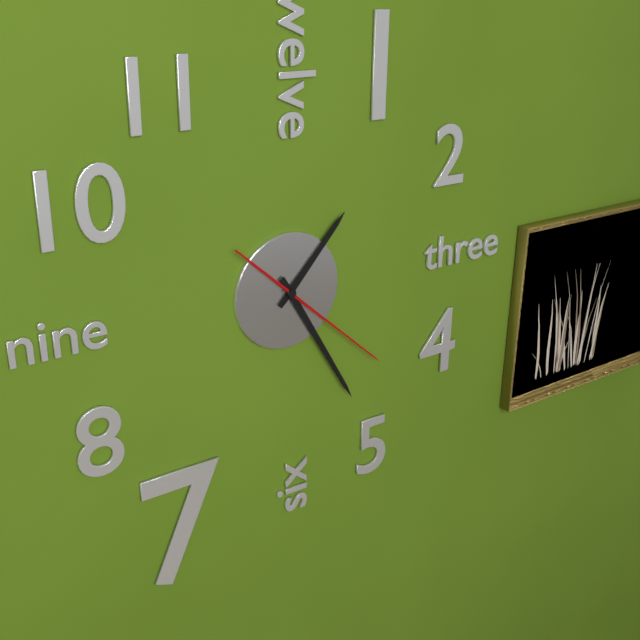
1,25,22
